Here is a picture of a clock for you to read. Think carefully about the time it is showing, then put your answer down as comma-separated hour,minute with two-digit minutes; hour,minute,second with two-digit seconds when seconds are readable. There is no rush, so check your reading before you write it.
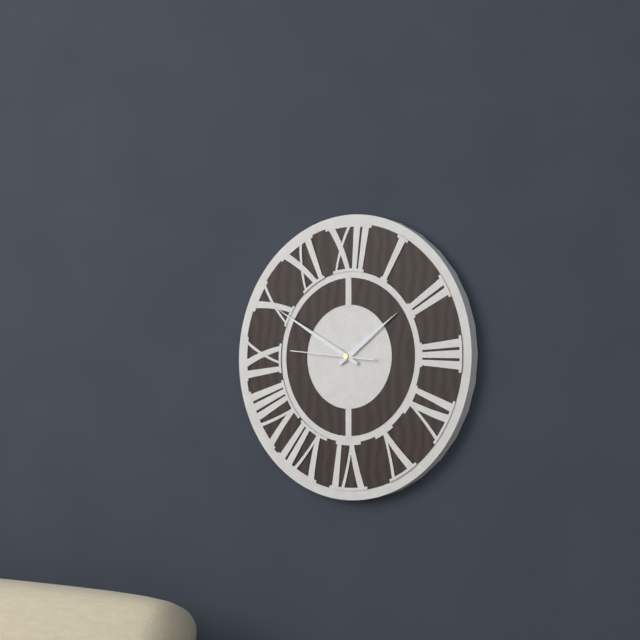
1,50,46
